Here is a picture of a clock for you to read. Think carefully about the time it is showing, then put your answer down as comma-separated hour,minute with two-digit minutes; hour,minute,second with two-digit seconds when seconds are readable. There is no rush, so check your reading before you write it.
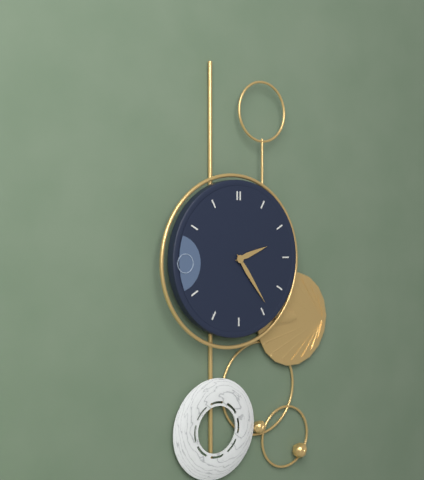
2,24
